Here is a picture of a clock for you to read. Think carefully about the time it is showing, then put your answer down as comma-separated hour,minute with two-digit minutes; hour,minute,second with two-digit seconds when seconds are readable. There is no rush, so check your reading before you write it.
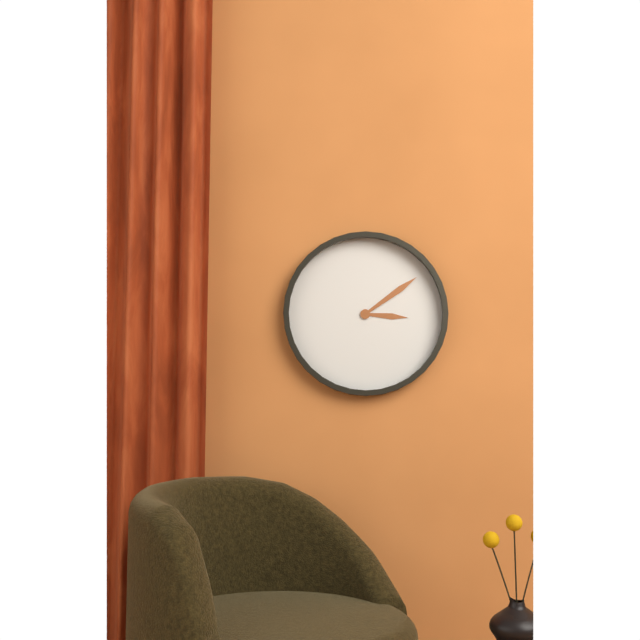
3,09
